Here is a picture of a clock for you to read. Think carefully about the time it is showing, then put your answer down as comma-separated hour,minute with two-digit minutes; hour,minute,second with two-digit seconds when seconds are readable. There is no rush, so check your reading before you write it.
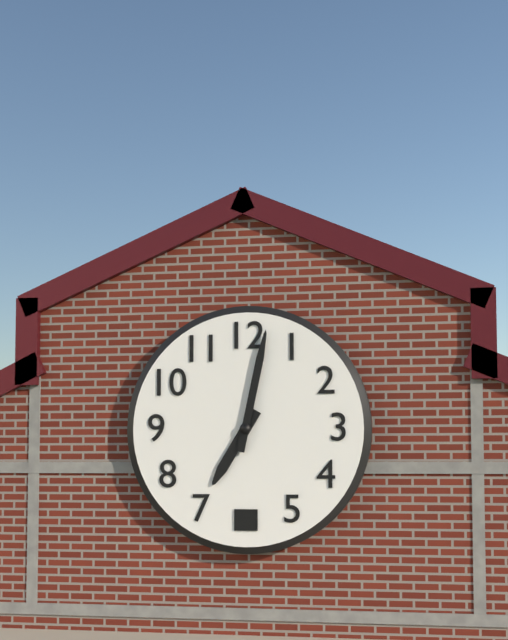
7,02
